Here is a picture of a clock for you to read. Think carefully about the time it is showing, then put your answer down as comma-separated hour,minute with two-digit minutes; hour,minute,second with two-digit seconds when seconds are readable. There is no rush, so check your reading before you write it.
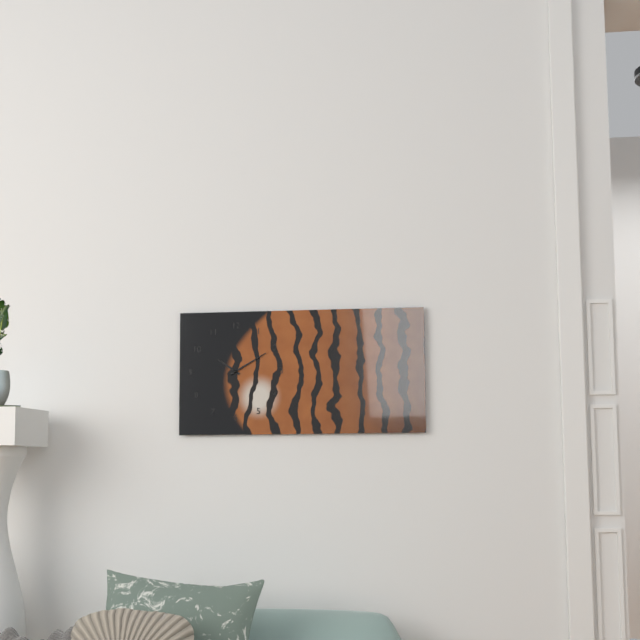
10,10
